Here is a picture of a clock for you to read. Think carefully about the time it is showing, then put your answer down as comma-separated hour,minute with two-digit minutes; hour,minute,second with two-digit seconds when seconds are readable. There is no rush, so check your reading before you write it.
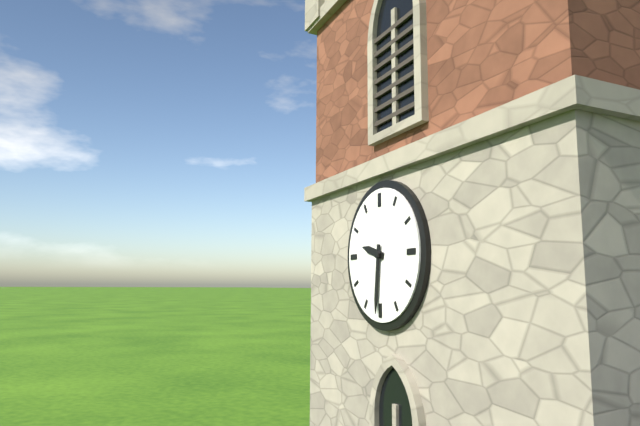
9,31
